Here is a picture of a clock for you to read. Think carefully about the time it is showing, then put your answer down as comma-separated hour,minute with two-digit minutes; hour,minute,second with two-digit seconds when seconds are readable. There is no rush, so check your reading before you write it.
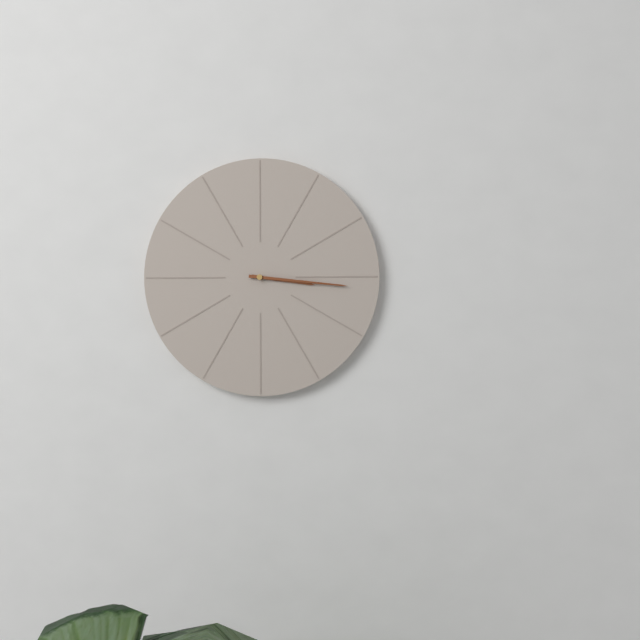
3,16
